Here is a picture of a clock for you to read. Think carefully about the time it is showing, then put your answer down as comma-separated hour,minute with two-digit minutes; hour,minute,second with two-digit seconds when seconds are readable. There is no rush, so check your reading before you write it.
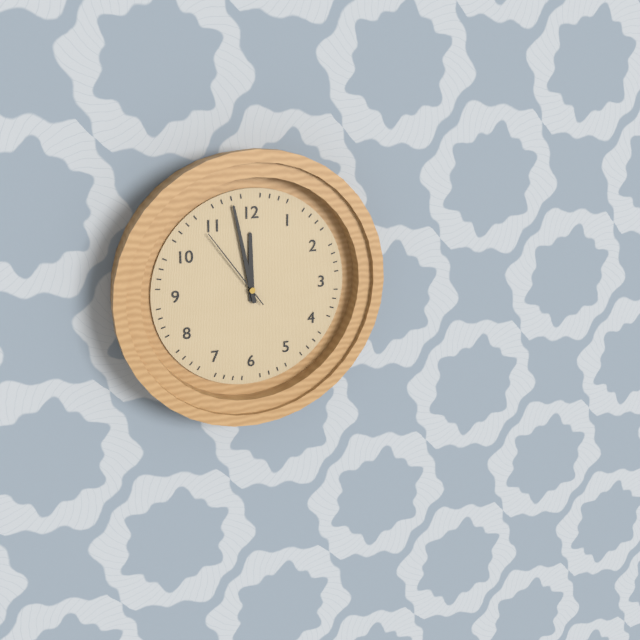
11,58,54
